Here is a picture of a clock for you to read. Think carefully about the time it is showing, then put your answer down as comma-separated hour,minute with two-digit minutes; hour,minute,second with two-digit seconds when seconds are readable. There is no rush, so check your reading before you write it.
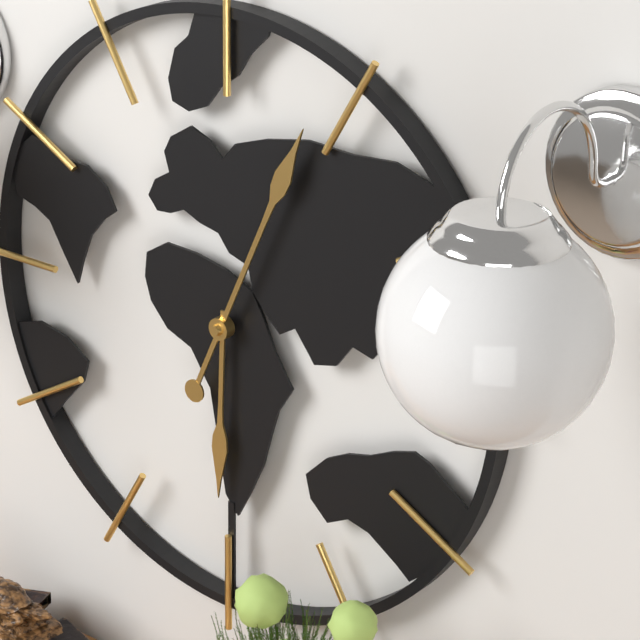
6,04
